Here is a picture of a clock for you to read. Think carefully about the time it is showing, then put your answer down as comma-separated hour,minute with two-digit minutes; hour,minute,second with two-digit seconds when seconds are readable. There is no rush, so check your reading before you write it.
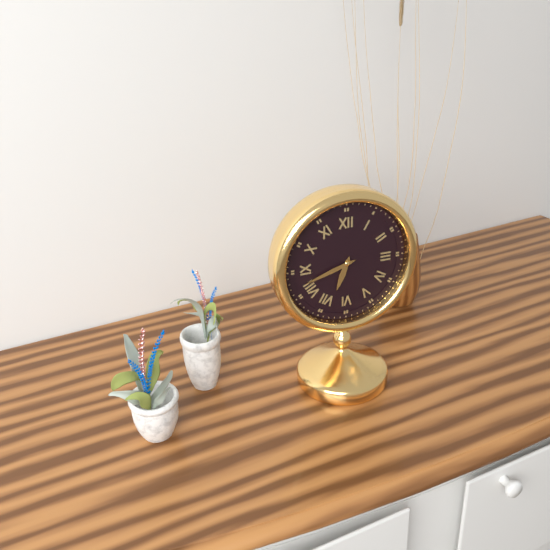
6,42
